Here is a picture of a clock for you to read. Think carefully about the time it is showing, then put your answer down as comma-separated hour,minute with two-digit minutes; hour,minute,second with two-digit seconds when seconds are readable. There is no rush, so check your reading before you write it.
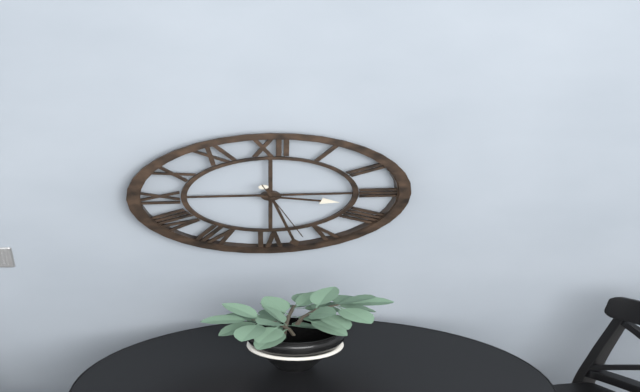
3,28,27
